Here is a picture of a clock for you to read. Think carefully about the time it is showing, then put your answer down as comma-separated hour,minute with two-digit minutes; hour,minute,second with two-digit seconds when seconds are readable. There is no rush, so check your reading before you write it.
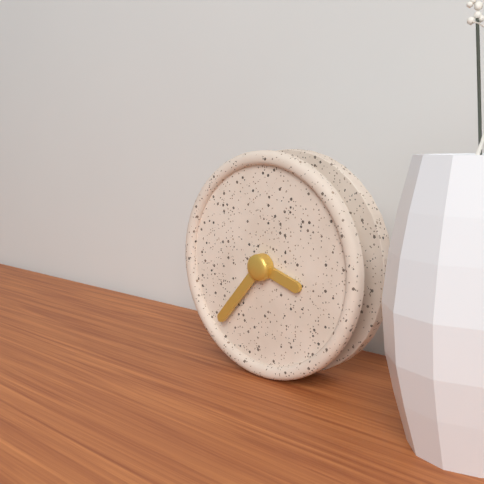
3,37
